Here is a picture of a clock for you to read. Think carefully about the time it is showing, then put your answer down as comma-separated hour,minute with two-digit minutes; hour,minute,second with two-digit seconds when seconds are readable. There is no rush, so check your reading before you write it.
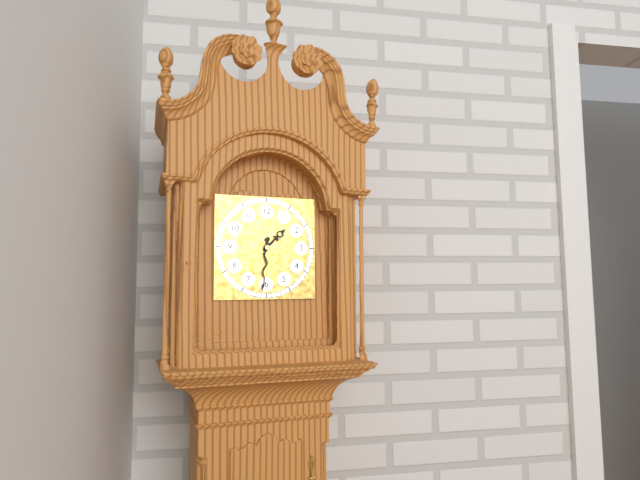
1,31
